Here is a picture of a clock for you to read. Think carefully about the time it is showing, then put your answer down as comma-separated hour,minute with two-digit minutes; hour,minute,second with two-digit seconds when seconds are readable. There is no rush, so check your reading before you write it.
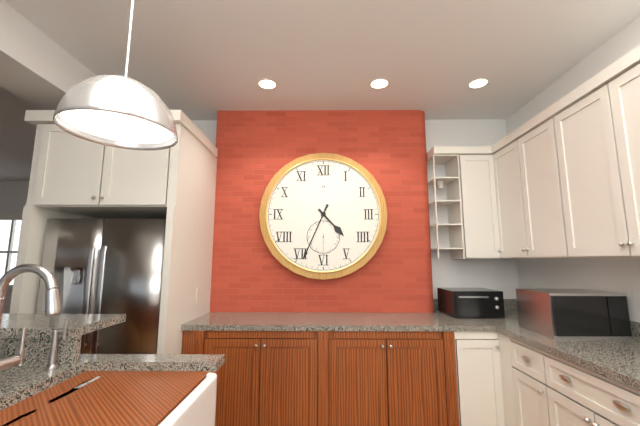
4,34
